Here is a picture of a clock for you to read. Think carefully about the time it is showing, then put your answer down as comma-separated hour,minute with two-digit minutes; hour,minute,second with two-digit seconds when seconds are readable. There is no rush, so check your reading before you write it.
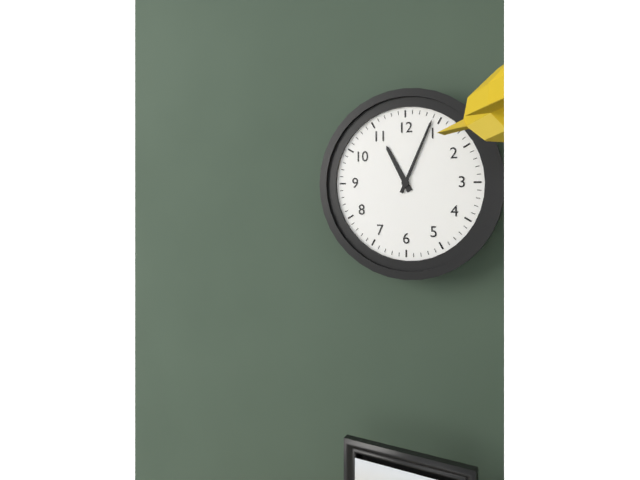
11,04
